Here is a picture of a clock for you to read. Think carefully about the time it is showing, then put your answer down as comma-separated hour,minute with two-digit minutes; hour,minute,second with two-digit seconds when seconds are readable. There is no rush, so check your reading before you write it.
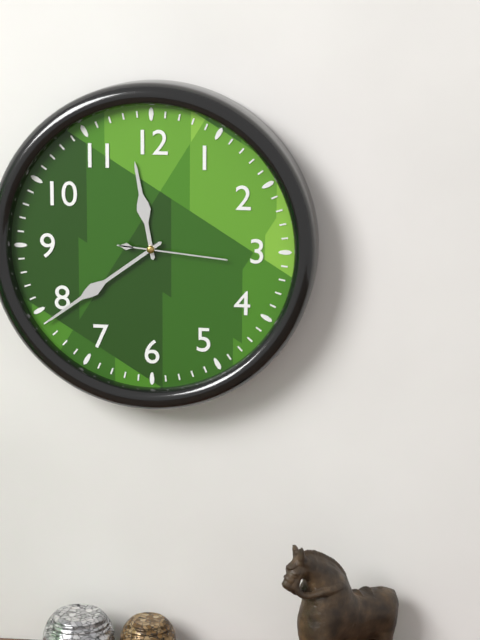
11,39,16
